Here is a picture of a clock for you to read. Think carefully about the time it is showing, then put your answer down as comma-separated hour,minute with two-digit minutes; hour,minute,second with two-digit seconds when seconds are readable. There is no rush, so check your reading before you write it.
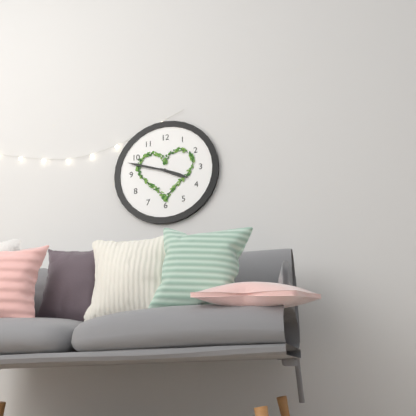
3,48
